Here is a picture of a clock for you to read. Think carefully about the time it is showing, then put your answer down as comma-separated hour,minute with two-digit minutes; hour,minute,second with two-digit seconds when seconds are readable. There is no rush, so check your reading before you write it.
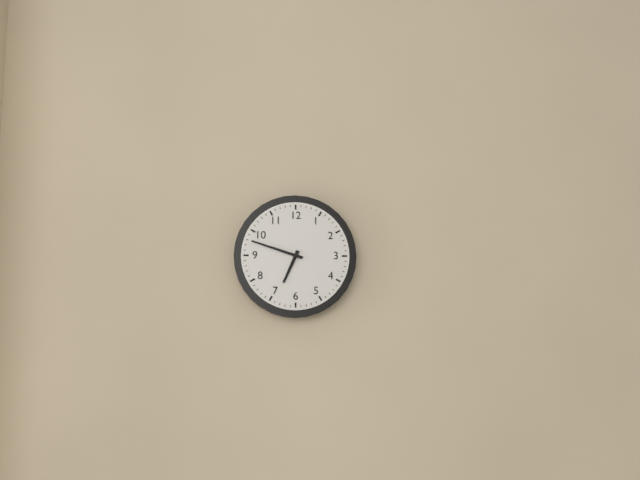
6,48
